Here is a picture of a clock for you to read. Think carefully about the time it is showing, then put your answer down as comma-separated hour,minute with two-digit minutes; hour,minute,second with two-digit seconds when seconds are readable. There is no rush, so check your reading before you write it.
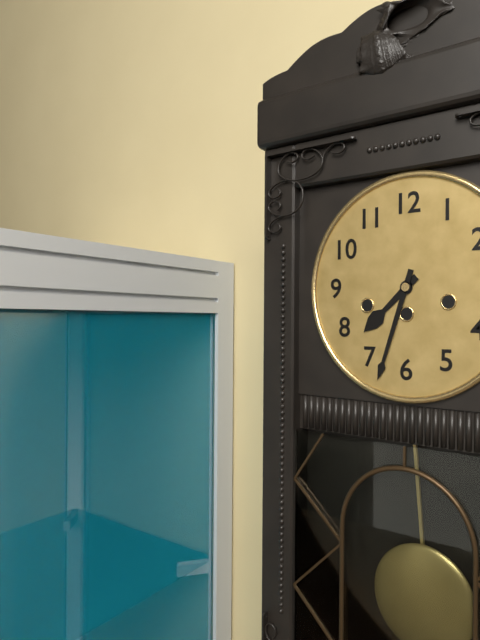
7,33
